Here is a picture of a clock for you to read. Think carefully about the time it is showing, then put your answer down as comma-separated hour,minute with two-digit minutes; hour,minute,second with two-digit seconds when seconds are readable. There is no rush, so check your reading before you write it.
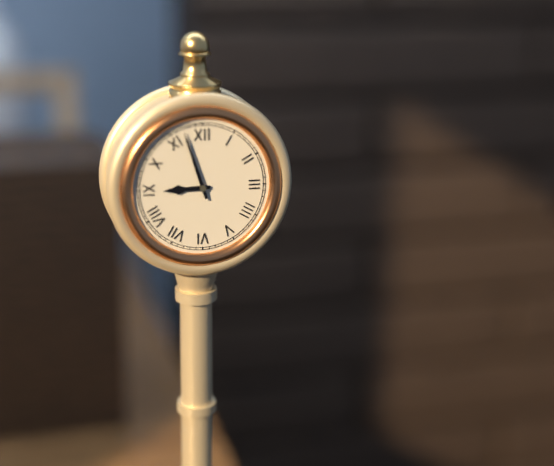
8,57
